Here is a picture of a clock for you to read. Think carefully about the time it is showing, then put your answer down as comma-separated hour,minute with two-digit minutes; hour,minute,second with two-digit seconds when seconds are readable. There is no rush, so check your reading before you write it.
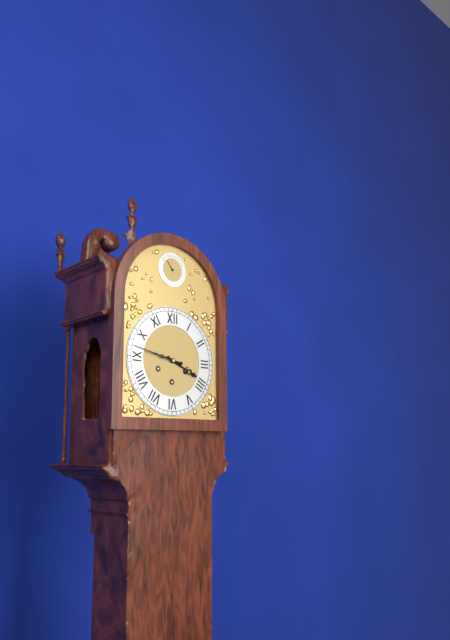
3,47
